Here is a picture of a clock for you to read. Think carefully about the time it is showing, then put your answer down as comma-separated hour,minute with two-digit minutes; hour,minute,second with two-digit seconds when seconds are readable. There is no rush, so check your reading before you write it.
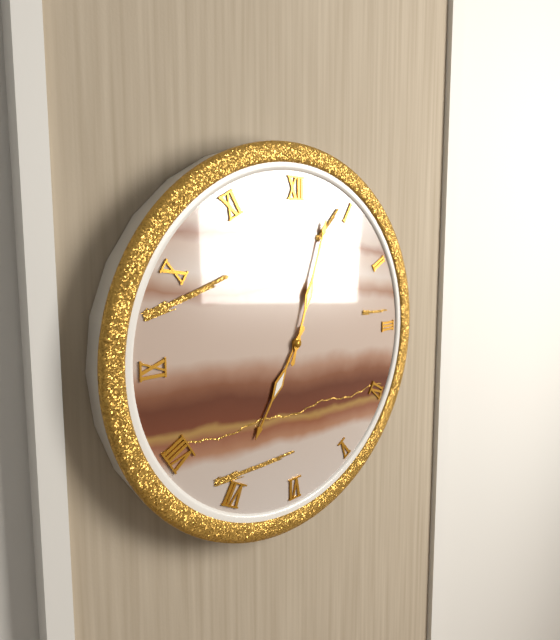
7,03
